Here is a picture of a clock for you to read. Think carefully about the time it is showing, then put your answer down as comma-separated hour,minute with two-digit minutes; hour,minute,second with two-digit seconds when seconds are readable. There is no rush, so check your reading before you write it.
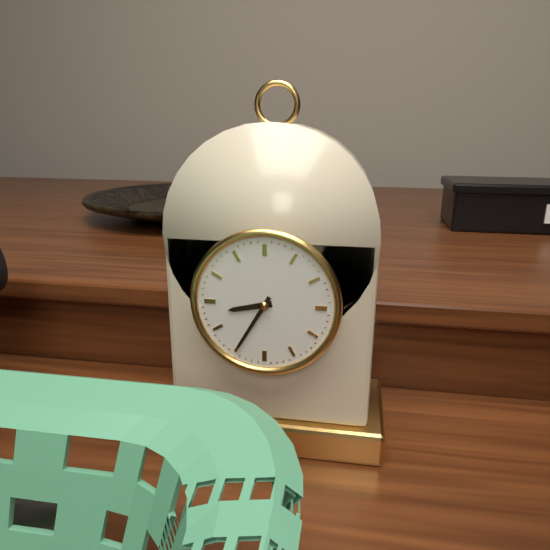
8,35
